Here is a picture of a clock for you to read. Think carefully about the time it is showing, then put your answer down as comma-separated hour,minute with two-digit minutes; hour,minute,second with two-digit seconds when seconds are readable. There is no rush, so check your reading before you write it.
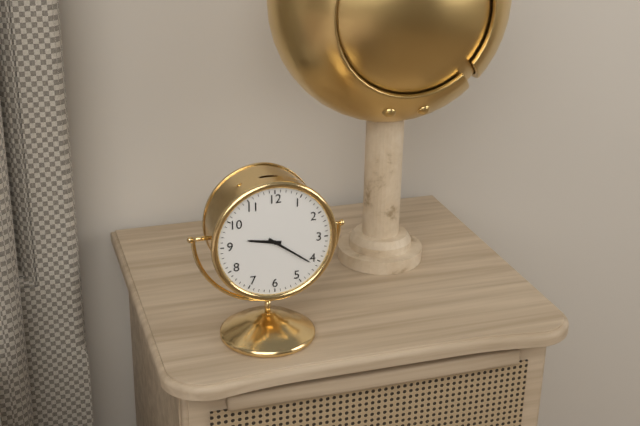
9,21
